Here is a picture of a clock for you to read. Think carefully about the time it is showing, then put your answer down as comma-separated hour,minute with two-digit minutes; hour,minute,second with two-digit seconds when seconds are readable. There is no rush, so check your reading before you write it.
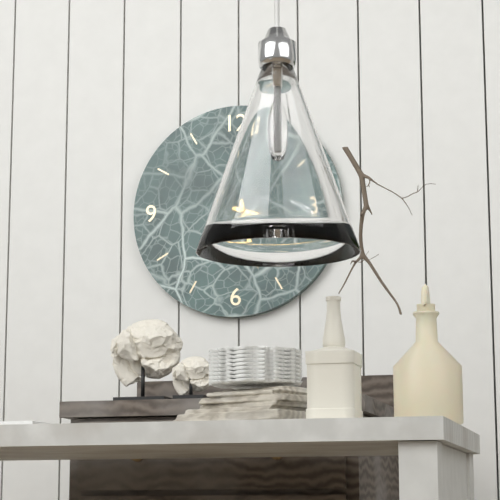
5,18
